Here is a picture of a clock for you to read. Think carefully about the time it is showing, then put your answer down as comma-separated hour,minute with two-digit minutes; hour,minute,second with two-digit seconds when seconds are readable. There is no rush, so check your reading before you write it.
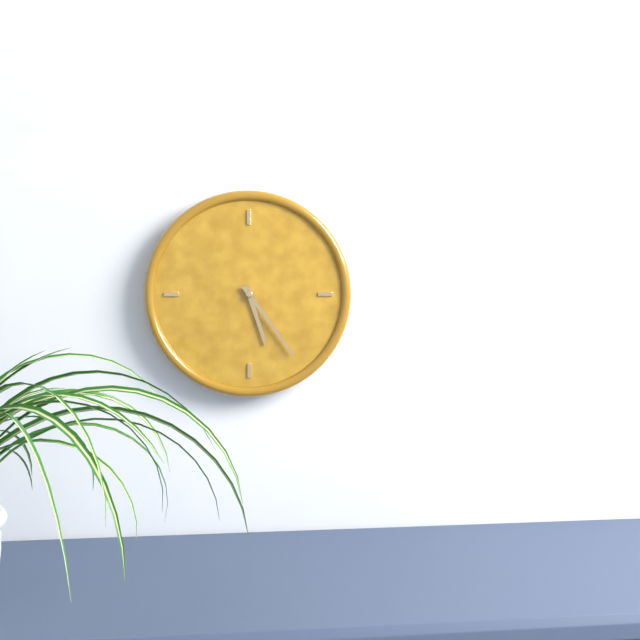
5,24
